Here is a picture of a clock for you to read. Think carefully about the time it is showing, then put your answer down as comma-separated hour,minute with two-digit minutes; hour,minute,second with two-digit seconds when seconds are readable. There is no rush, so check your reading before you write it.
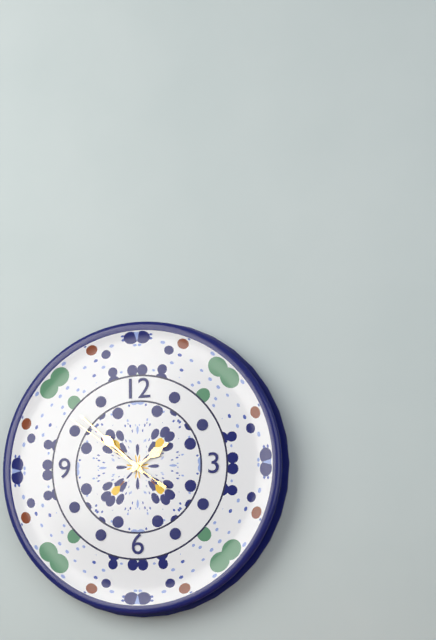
1,52,51
